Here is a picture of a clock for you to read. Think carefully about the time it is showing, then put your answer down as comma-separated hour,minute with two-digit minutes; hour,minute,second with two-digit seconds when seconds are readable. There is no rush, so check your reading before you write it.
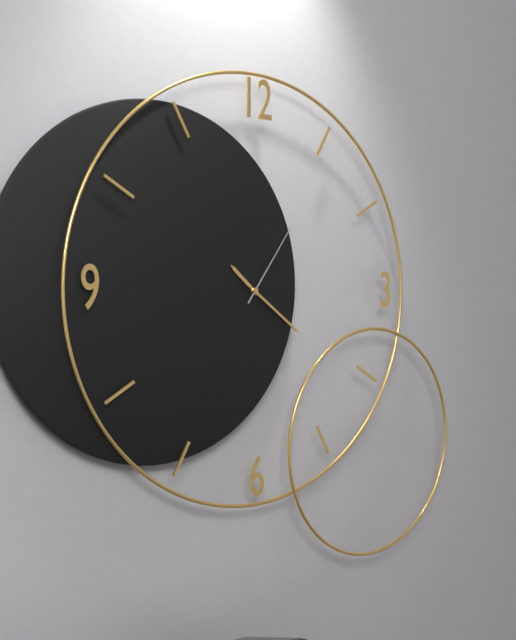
10,21,06
